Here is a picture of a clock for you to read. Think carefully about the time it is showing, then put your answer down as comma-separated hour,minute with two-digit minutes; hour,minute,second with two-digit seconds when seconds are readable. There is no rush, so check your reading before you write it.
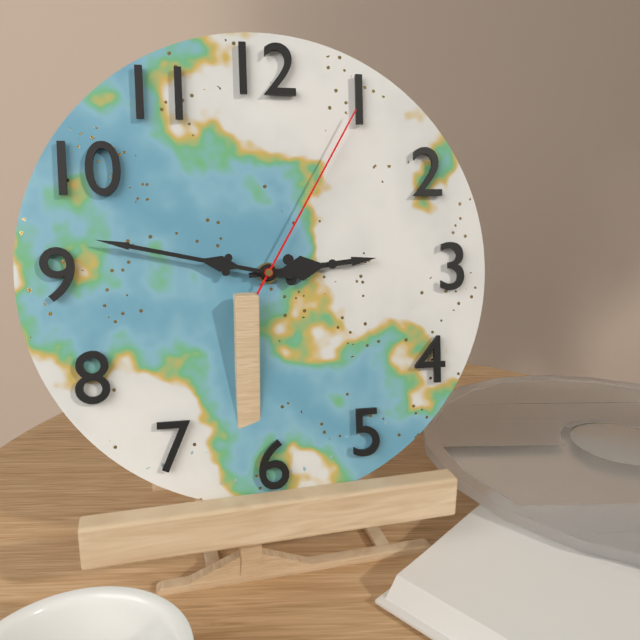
2,47,05
